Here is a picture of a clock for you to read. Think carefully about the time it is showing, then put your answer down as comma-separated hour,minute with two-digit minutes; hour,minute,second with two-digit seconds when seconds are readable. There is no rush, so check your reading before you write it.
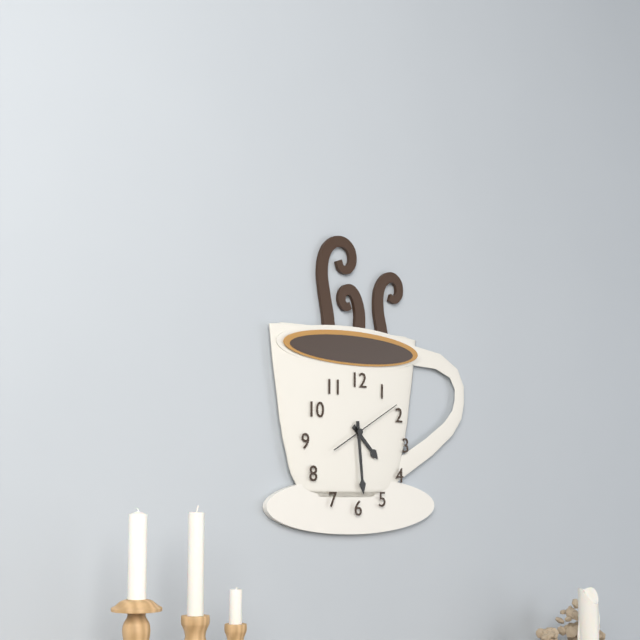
4,29,10
